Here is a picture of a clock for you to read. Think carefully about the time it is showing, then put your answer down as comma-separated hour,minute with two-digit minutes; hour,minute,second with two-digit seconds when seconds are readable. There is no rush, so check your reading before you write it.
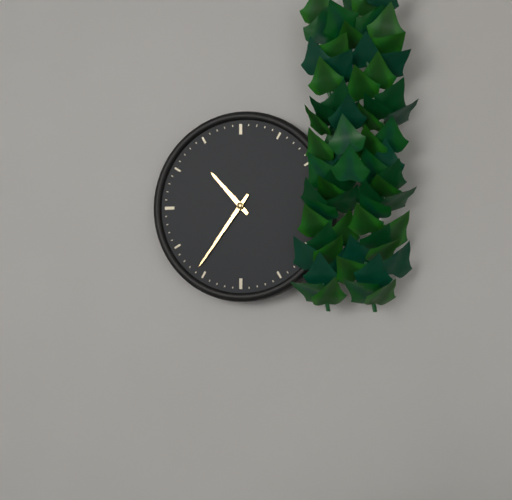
10,36
